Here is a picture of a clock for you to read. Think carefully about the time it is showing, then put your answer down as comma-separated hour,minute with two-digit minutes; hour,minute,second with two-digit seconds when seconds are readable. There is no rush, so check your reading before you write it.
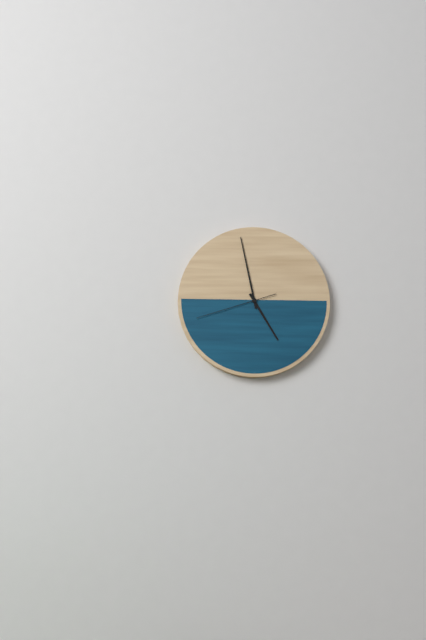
4,58,42
